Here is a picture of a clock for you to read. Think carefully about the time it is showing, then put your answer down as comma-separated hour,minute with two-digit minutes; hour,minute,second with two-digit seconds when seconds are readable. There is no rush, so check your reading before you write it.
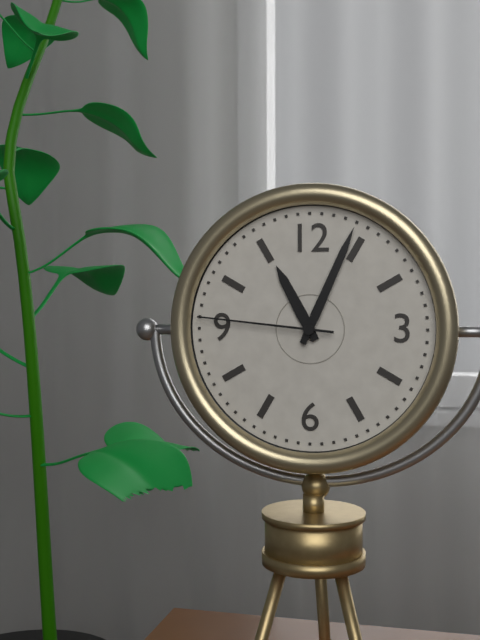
11,04,46
